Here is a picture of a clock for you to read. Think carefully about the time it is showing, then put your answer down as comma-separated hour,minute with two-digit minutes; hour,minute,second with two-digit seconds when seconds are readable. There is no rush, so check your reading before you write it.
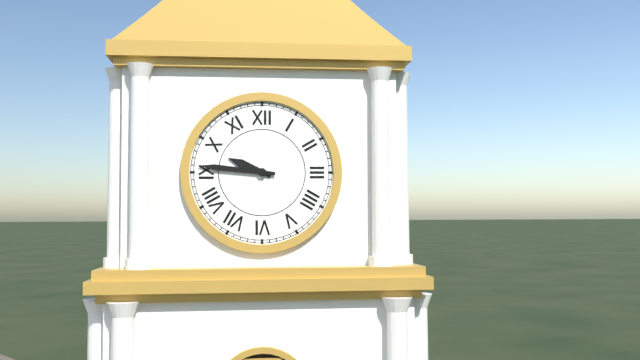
9,46
